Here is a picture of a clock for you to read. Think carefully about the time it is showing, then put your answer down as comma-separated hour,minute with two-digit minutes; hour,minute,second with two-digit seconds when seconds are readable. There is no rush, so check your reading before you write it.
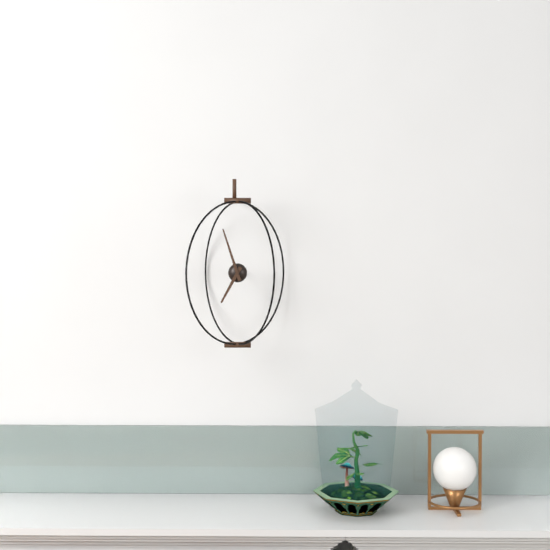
6,57
